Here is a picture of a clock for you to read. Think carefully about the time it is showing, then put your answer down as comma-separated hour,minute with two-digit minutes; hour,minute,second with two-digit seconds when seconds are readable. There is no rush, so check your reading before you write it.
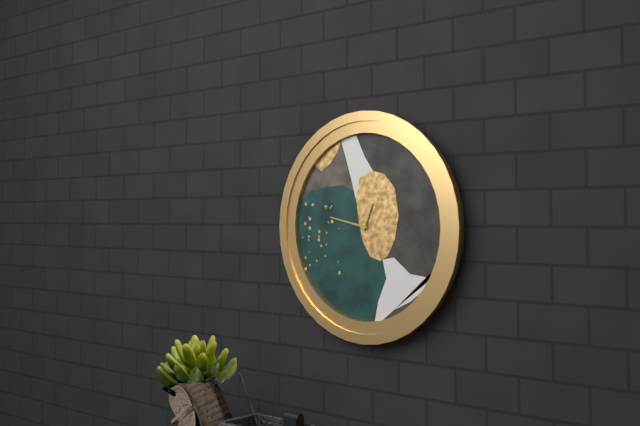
12,47
